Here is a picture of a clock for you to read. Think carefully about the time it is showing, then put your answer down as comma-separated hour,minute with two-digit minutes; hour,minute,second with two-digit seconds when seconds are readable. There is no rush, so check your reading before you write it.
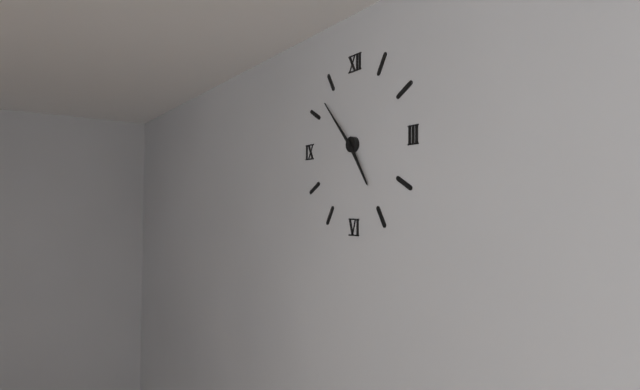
4,53
